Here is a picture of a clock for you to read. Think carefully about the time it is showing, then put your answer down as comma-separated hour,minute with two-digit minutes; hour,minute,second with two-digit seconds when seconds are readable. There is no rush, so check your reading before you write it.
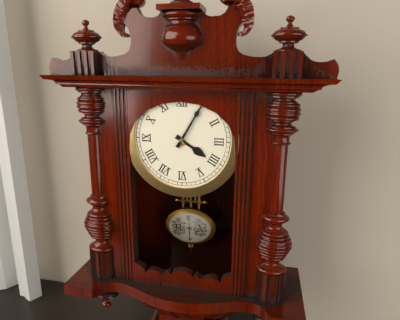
4,05
